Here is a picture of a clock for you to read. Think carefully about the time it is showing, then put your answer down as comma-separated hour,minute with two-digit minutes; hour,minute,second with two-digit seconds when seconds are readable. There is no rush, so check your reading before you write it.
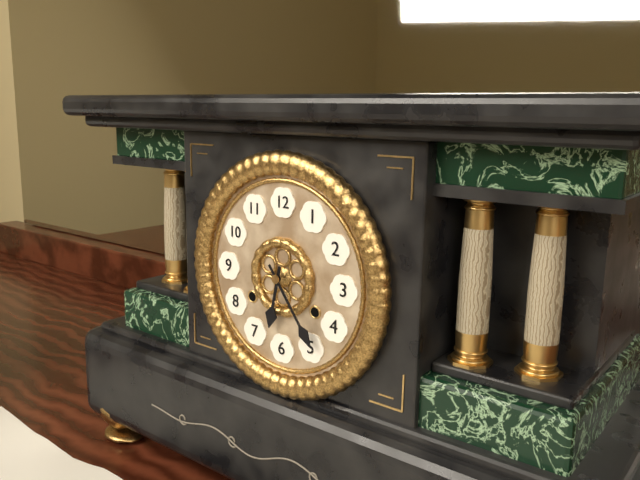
6,24
